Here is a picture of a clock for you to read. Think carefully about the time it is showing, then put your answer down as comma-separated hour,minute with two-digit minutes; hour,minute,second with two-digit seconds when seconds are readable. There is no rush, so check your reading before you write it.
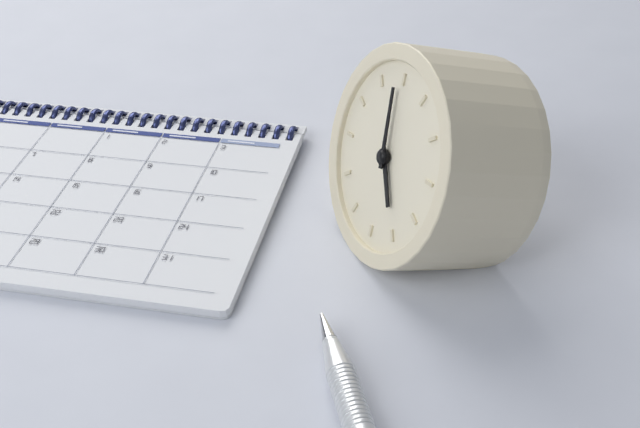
4,59
